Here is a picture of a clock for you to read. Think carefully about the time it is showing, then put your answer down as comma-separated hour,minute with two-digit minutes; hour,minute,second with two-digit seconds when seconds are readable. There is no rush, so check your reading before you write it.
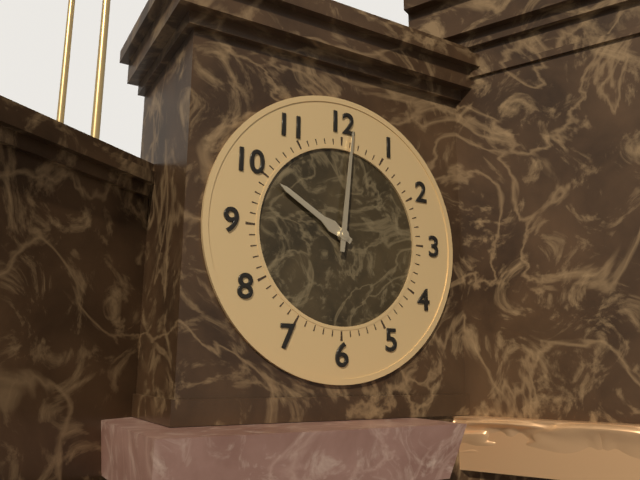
10,01
